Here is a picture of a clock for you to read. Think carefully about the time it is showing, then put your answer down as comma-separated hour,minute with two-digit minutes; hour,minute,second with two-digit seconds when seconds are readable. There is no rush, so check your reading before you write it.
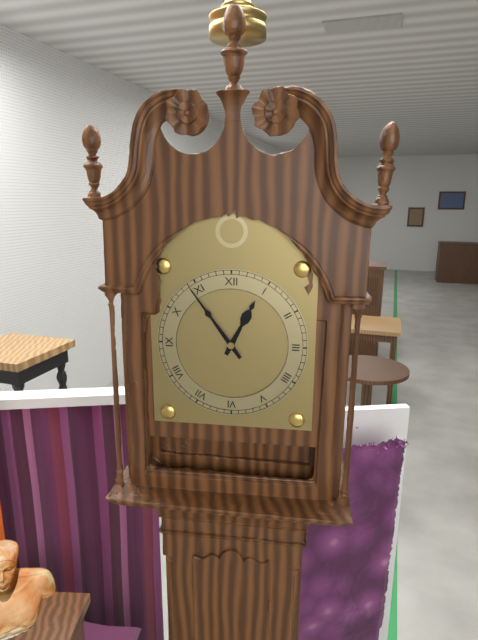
12,54
